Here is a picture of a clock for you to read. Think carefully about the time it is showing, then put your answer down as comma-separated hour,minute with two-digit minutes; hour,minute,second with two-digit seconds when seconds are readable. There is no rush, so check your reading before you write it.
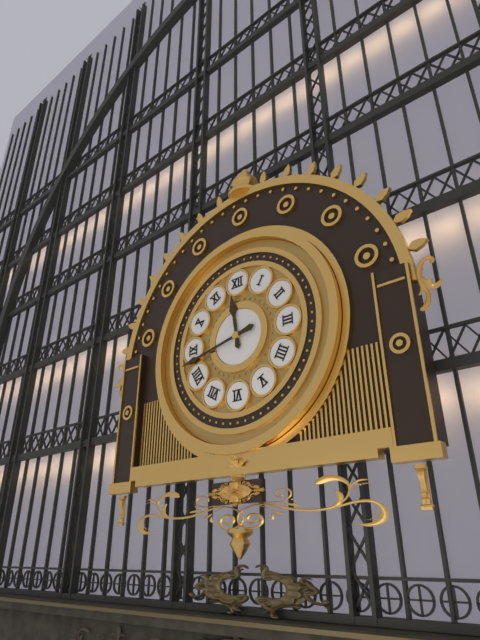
11,43
